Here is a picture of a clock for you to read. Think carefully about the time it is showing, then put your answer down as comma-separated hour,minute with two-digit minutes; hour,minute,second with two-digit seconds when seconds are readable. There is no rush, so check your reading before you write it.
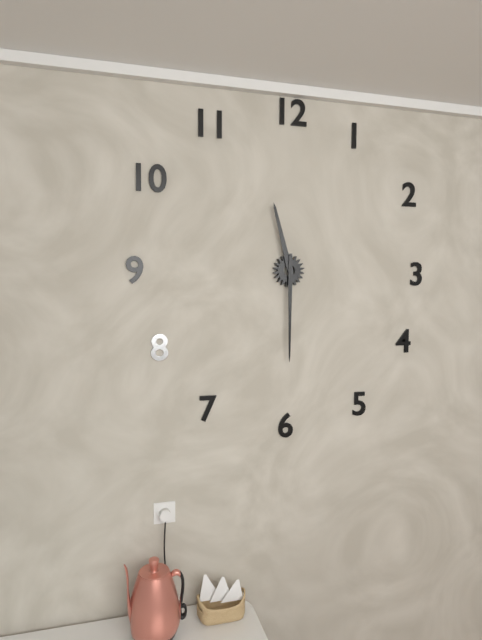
11,30
